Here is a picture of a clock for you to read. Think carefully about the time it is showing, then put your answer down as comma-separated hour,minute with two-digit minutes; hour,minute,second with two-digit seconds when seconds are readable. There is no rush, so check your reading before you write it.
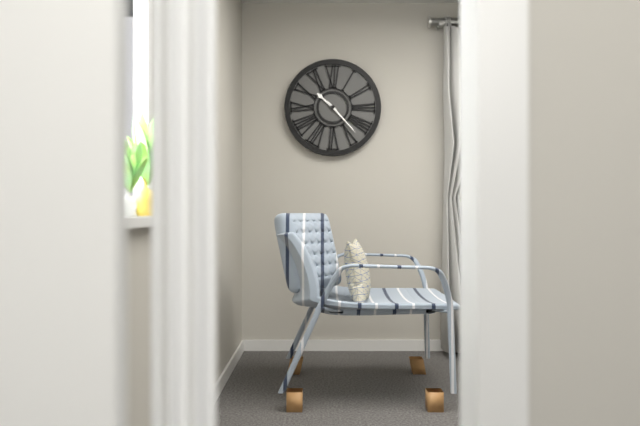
10,23
